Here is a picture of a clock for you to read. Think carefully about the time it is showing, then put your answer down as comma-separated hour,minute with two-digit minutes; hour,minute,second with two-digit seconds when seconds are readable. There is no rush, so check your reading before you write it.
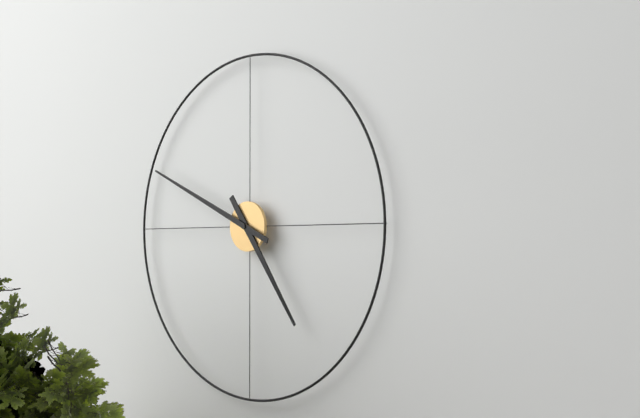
4,49
